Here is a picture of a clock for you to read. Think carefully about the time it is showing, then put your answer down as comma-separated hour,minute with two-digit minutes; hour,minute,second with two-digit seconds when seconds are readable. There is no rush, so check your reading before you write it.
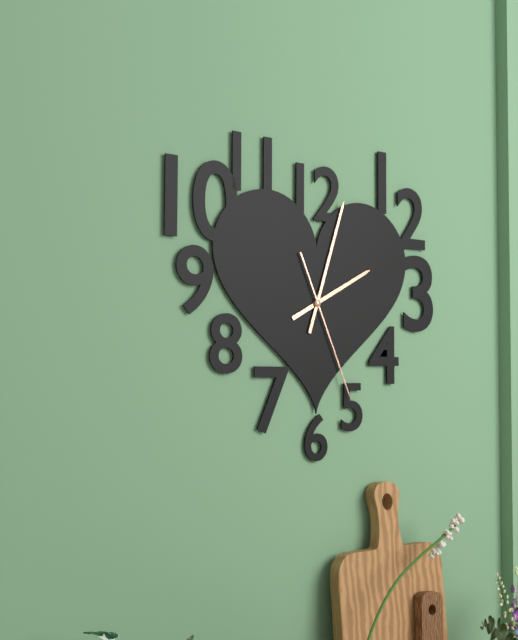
2,03,26
